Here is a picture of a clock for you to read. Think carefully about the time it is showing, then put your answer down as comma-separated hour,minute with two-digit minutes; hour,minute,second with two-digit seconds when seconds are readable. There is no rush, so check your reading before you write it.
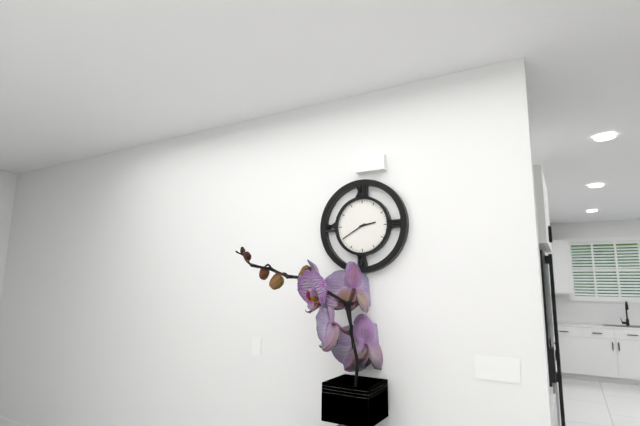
2,40
